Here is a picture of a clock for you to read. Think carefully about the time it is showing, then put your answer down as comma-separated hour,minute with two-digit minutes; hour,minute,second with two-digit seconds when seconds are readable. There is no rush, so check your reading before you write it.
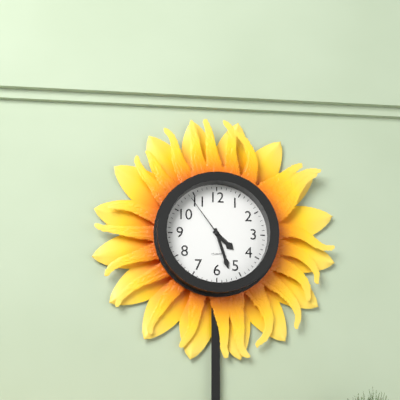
4,27,54
